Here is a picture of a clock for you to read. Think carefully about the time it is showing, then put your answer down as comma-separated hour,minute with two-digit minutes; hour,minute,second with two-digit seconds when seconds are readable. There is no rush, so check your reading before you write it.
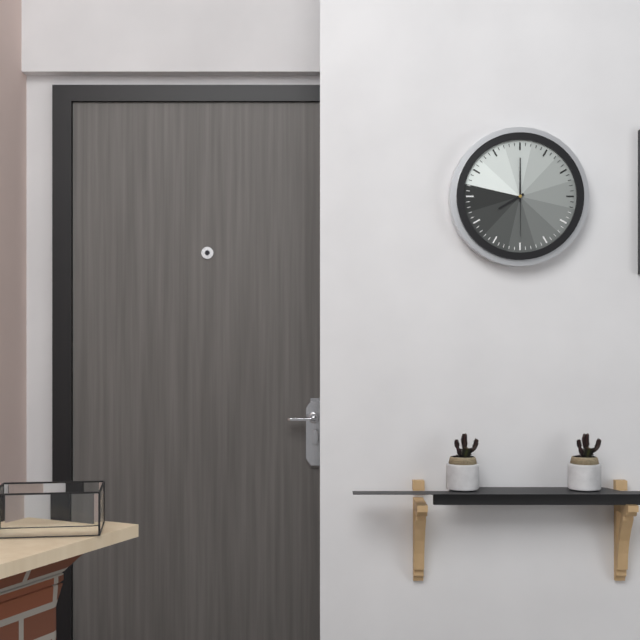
8,00,30
